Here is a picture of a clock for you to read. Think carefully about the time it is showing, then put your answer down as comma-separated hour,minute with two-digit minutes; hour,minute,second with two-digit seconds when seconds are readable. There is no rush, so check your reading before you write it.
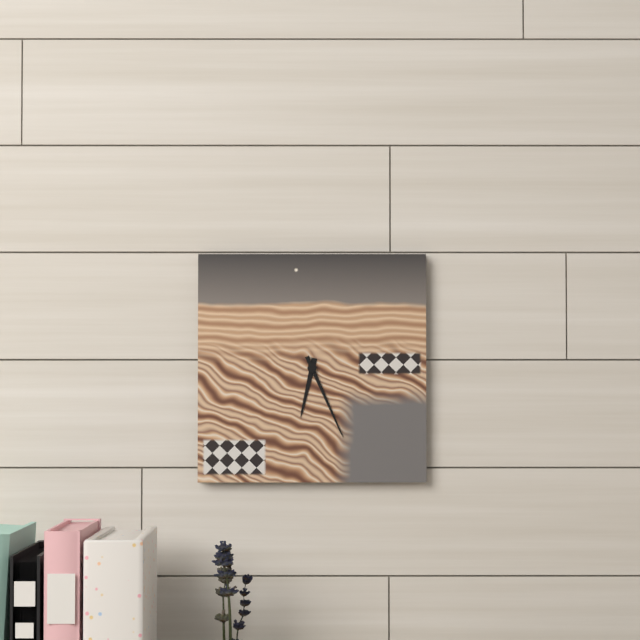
6,26
